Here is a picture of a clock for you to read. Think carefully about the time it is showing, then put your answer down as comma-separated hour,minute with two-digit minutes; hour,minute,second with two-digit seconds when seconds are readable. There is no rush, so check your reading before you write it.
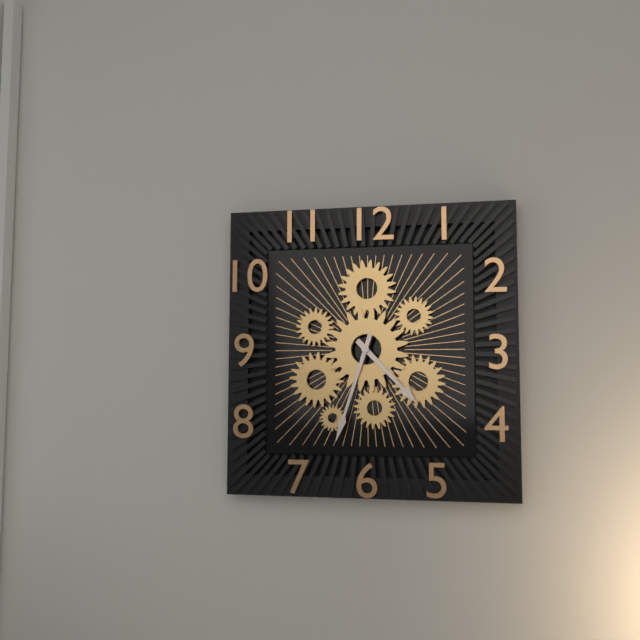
4,33
